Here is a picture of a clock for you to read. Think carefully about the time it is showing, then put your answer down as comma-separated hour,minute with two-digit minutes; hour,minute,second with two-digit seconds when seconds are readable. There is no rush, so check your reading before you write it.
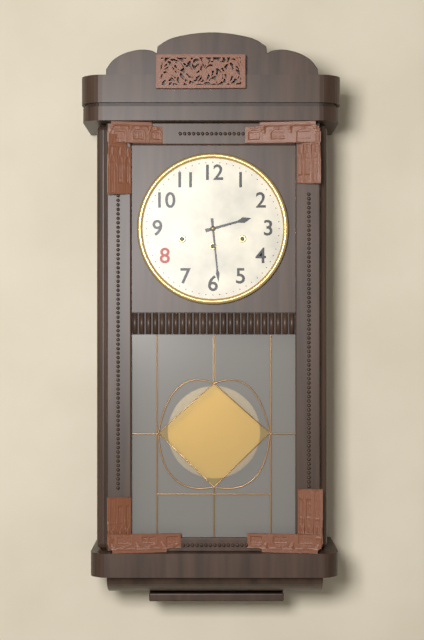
2,29
